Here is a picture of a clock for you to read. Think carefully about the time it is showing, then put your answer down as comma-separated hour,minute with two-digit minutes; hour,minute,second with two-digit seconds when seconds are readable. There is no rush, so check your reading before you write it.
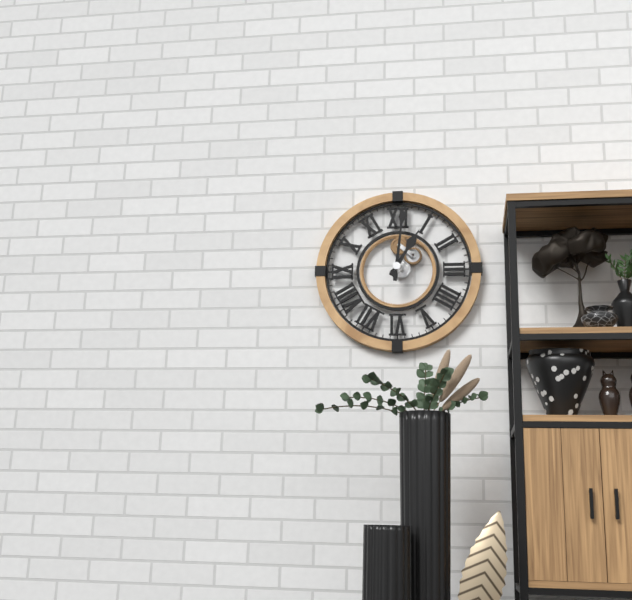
1,01
